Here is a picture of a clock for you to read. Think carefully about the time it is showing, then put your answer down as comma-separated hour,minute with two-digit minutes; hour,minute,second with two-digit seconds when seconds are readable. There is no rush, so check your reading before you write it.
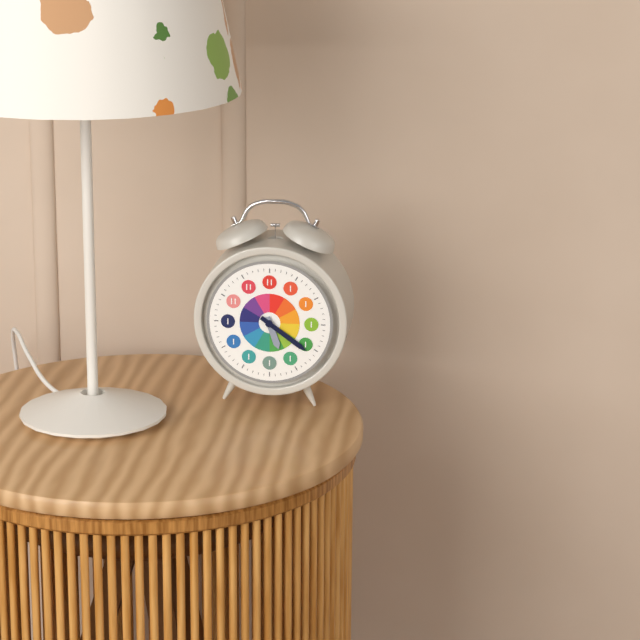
5,21
